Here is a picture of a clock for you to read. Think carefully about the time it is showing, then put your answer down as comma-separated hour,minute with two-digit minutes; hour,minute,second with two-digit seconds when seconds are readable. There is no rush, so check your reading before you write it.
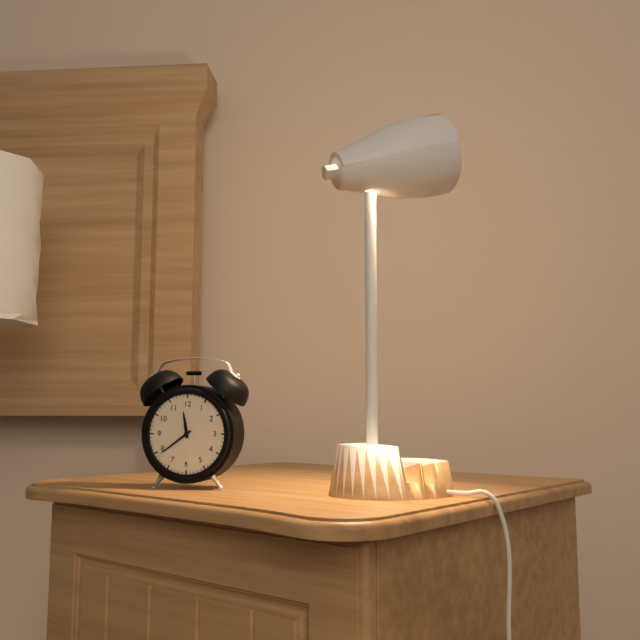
11,39
